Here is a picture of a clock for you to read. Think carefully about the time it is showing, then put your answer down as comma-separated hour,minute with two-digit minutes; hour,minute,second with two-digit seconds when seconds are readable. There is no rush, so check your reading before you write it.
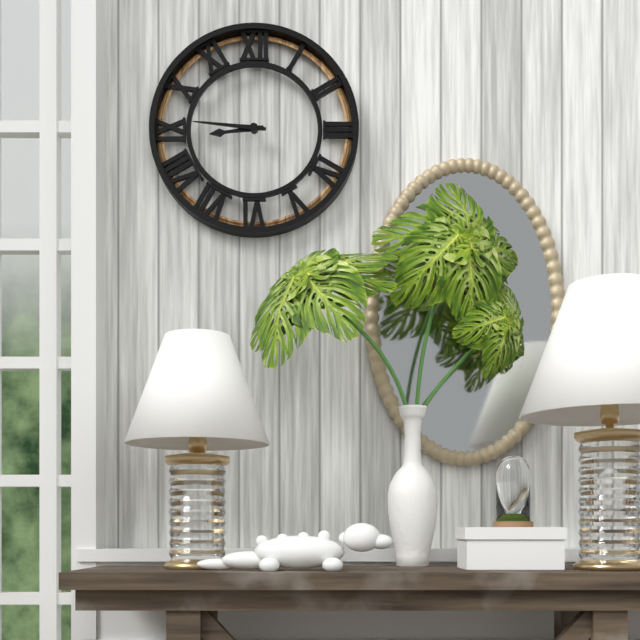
8,46
